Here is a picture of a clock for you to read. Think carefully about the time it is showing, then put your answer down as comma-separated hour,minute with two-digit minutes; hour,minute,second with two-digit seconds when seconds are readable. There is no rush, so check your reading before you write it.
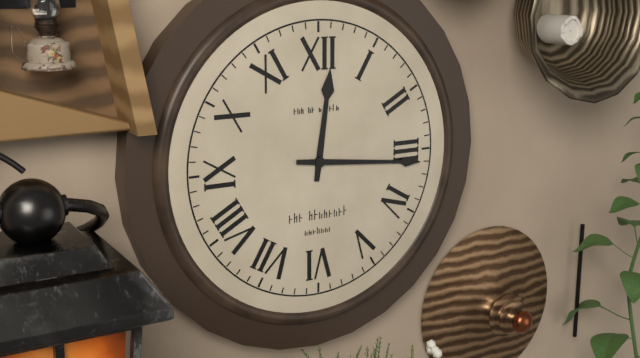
12,16
